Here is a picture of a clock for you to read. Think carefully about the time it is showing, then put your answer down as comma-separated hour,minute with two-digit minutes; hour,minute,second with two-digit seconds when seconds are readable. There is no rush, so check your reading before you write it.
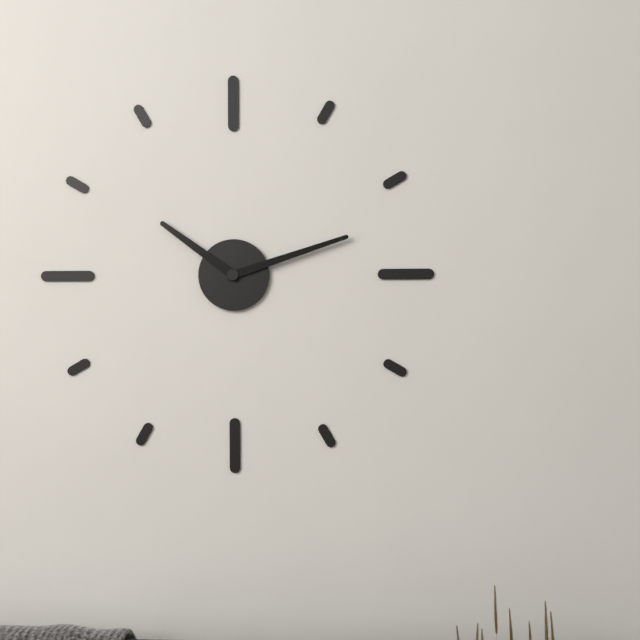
10,12
